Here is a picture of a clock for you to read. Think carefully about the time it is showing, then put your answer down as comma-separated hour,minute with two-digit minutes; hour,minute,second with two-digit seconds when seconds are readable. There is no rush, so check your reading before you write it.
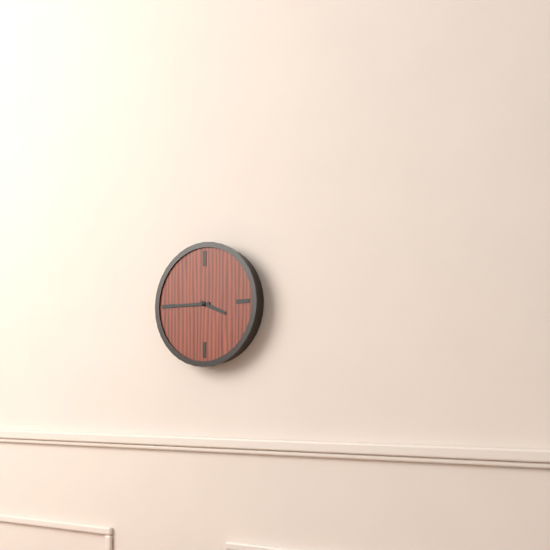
3,45
